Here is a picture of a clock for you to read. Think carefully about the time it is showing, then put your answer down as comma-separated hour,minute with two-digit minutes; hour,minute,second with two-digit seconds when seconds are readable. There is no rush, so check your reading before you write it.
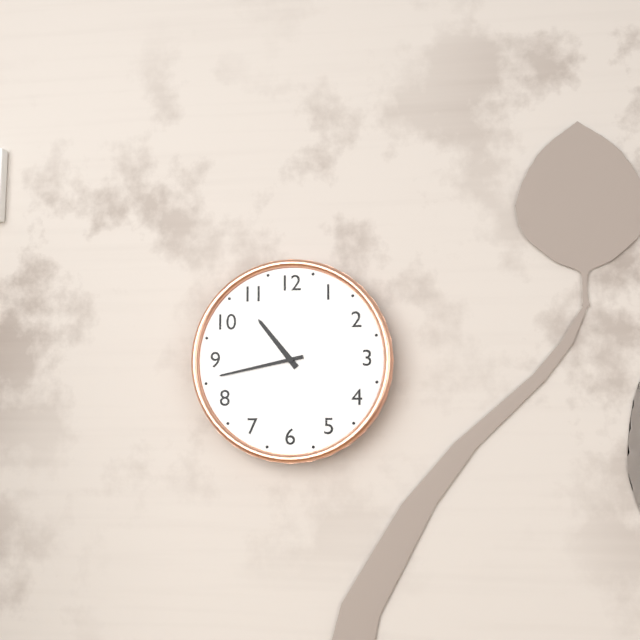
10,43
